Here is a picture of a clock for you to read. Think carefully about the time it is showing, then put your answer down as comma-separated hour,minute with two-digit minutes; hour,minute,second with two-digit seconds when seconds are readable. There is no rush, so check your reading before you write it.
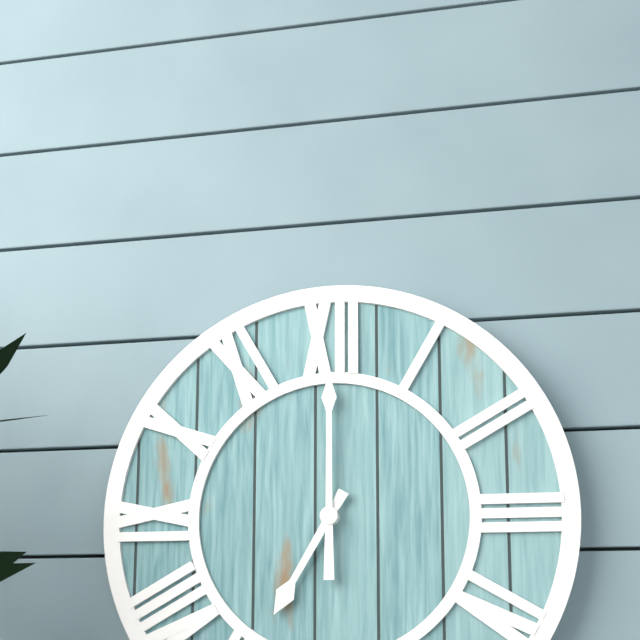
7,00
